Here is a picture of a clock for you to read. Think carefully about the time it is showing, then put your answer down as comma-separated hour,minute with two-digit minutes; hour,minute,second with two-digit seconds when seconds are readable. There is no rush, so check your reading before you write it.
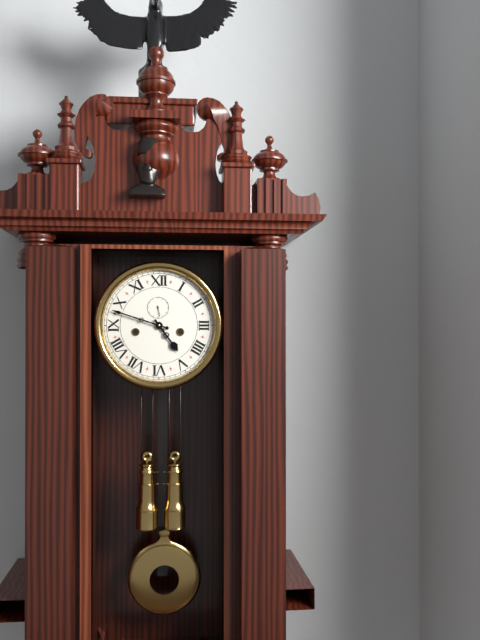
4,48
